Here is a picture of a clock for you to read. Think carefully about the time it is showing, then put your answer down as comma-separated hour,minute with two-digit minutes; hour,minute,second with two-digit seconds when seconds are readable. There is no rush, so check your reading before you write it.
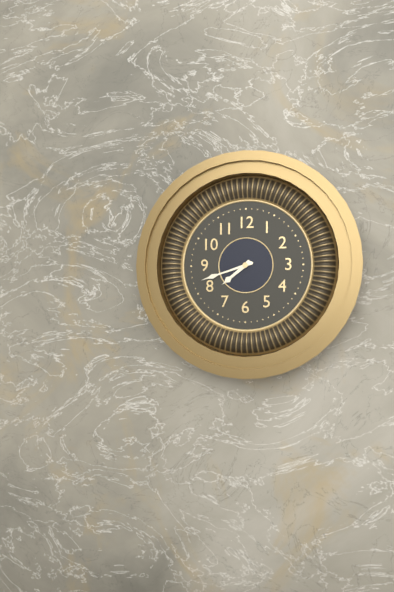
7,42
